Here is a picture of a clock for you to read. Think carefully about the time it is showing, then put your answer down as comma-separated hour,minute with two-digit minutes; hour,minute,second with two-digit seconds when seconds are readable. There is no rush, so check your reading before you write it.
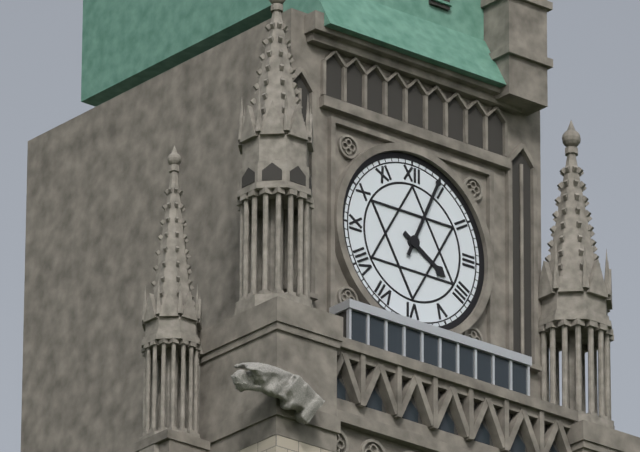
4,04
